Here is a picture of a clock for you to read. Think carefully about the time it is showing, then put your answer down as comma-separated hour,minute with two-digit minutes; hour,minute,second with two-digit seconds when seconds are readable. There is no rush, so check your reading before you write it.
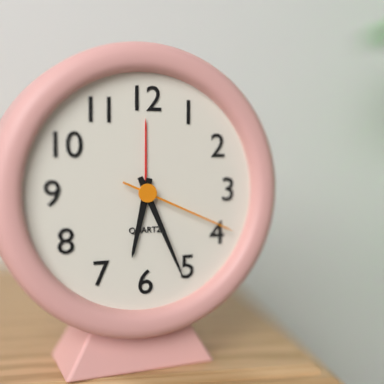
6,26,19
